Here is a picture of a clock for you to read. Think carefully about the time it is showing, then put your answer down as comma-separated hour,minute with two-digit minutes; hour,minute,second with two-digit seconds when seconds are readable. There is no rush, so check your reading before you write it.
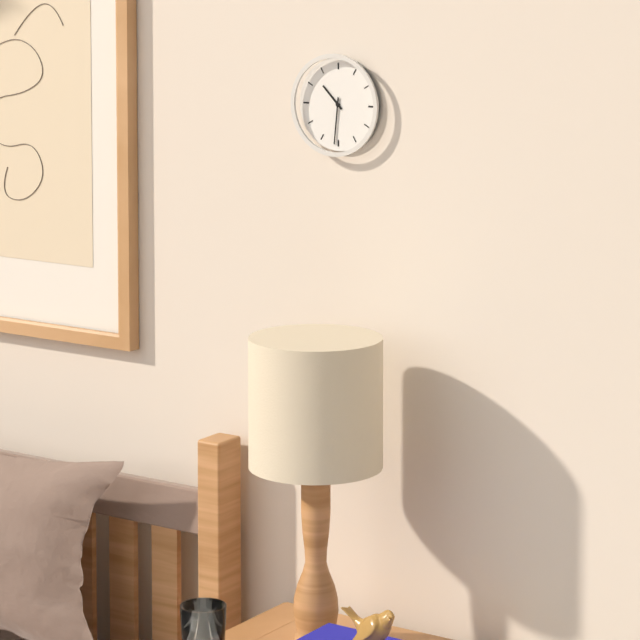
10,31
